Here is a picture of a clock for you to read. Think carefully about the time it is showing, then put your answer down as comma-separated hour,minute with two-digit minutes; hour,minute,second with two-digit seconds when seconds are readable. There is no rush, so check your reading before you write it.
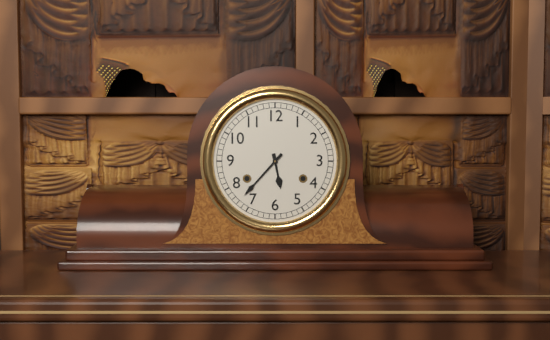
5,37
